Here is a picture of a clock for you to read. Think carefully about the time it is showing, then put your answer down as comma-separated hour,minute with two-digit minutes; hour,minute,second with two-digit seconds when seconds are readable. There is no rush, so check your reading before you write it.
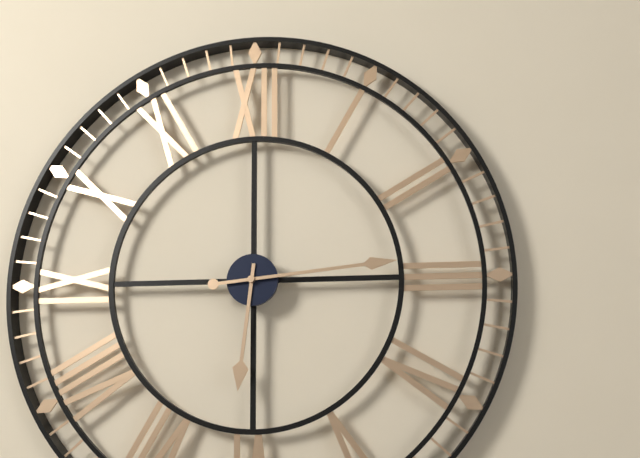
6,14
